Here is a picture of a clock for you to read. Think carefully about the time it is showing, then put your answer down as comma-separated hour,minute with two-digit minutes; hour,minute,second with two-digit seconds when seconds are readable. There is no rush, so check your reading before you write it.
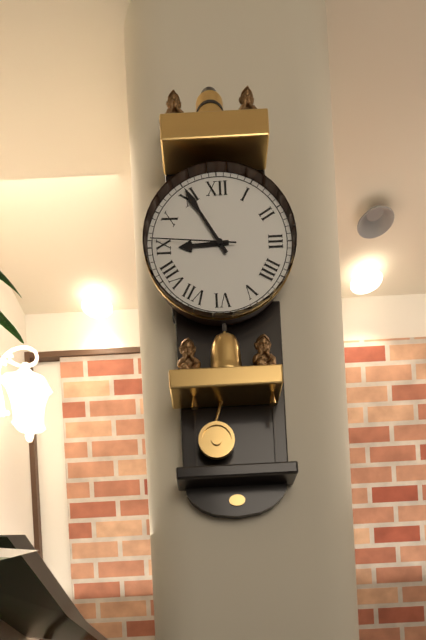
8,55,46
